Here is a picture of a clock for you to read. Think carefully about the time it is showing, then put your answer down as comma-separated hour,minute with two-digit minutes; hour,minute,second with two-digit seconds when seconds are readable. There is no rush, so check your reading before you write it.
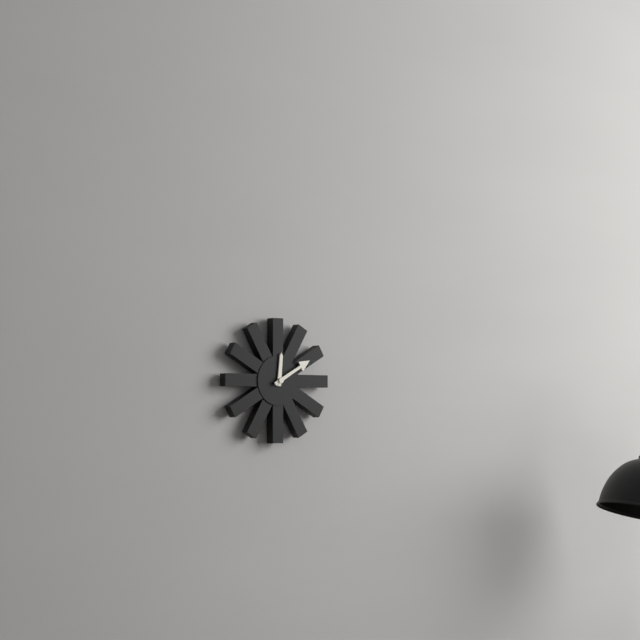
12,10
